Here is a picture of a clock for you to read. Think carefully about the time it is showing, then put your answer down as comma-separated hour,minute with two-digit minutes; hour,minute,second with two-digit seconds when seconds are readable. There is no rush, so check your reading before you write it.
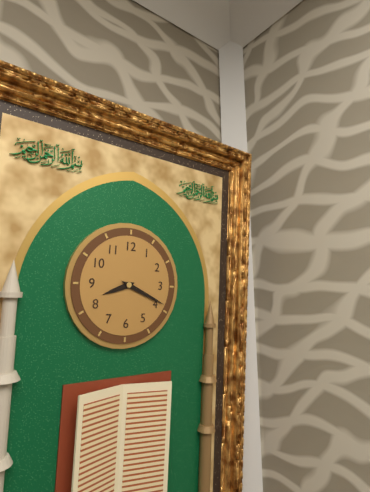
8,19
